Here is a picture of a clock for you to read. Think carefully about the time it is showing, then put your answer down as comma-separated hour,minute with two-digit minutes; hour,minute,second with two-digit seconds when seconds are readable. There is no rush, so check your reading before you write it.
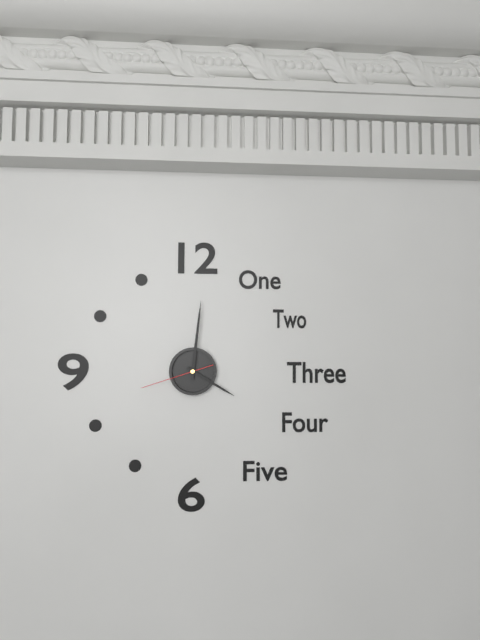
4,01,42
